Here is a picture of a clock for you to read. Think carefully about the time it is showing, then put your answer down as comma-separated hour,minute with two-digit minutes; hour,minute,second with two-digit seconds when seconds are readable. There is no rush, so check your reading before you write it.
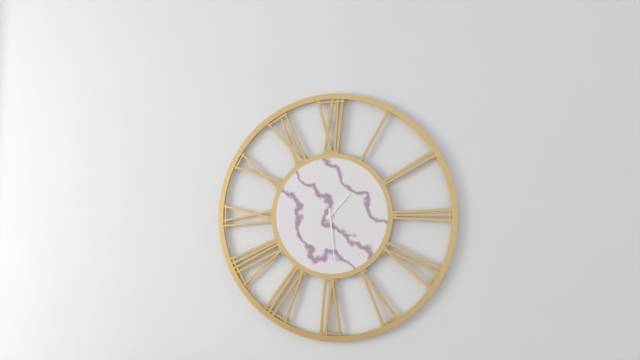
1,29
